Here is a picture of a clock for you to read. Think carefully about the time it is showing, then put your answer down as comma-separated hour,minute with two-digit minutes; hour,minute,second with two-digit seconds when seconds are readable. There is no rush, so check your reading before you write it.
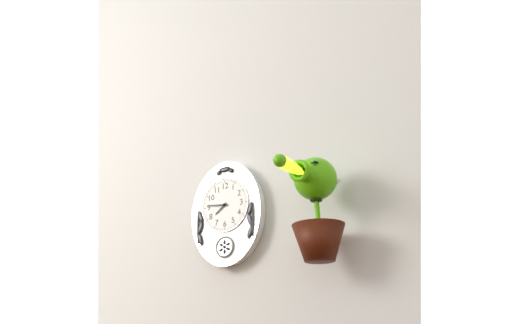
7,46
